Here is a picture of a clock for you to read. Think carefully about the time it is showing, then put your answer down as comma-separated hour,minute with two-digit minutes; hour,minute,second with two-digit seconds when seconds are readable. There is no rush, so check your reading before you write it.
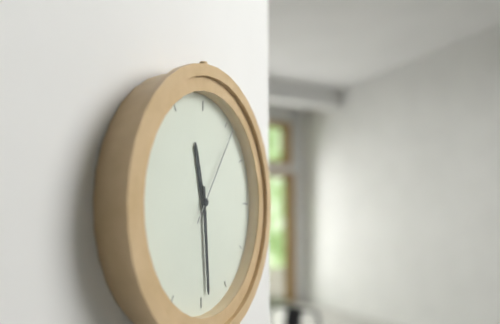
11,29,06
